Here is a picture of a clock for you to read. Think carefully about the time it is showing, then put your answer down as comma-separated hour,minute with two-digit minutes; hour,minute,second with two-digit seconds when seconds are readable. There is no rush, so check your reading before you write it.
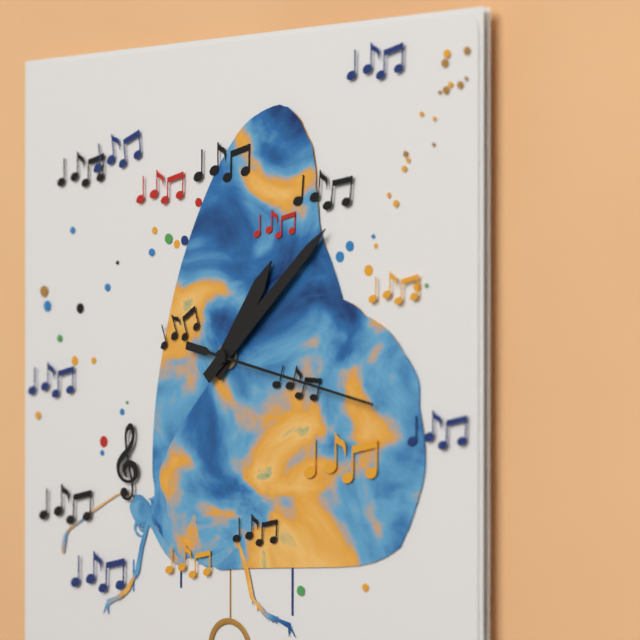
1,08,17
